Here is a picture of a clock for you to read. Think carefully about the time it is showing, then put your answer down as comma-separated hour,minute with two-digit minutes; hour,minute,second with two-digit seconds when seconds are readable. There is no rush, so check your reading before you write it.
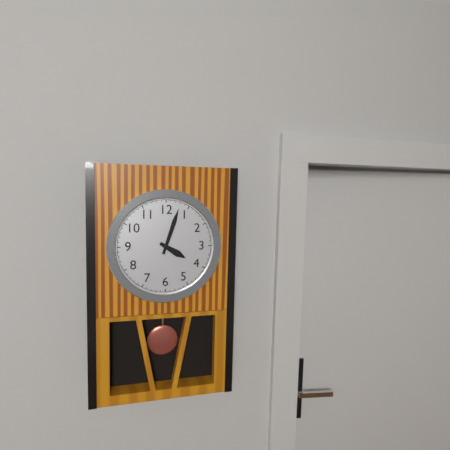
4,03
